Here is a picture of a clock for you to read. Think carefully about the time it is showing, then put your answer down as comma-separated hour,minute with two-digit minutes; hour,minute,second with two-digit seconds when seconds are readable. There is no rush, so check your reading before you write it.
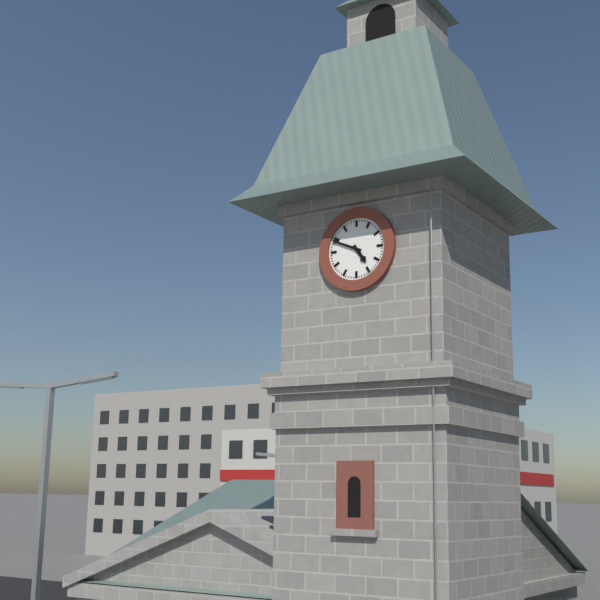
4,49
